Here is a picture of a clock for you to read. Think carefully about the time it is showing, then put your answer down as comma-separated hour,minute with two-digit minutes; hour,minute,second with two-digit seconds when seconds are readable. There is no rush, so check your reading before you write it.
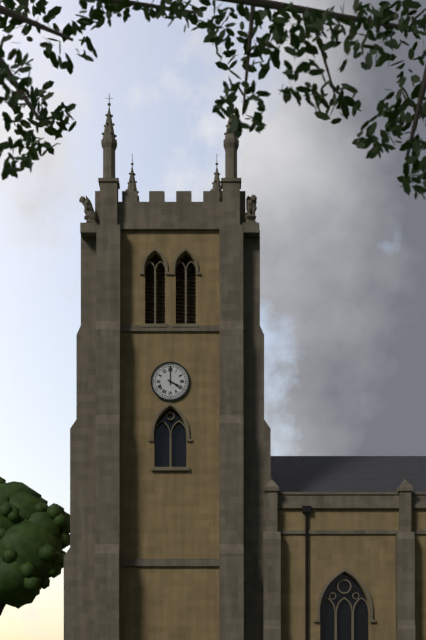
4,00
